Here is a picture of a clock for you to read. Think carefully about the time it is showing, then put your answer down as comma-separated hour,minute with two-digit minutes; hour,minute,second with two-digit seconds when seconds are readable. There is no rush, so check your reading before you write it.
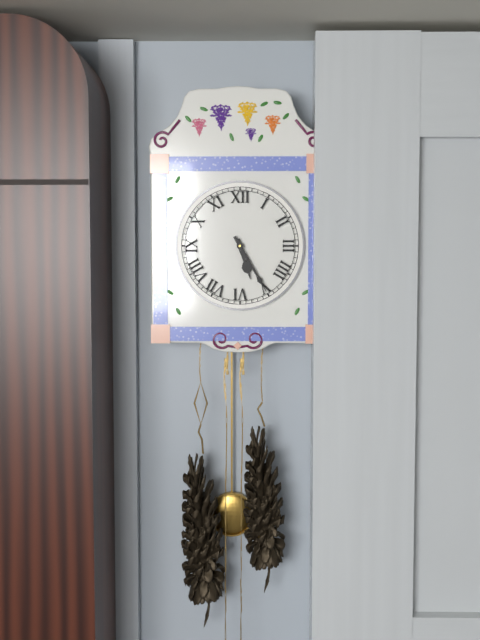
5,25
